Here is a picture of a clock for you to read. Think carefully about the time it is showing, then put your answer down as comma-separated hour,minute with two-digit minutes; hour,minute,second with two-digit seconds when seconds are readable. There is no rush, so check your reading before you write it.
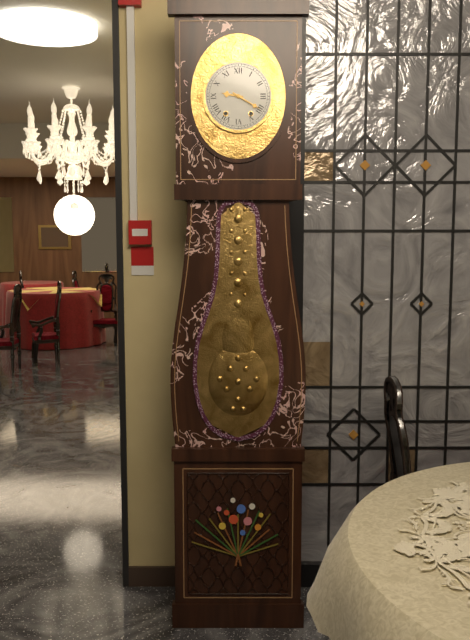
9,20
